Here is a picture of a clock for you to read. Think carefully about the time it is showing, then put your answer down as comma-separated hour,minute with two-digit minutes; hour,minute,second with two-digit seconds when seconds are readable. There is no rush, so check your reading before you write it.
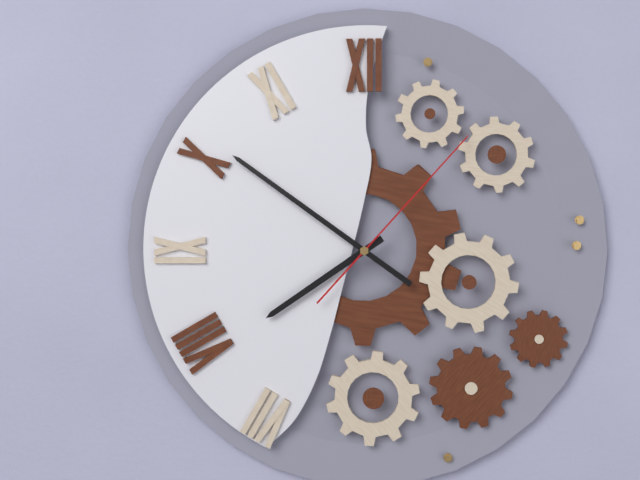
7,51,07
